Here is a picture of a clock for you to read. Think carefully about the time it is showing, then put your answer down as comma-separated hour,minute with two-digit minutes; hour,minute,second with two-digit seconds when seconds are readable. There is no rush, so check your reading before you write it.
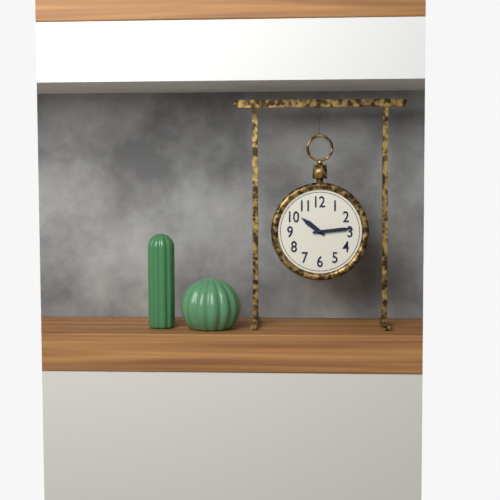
10,14
